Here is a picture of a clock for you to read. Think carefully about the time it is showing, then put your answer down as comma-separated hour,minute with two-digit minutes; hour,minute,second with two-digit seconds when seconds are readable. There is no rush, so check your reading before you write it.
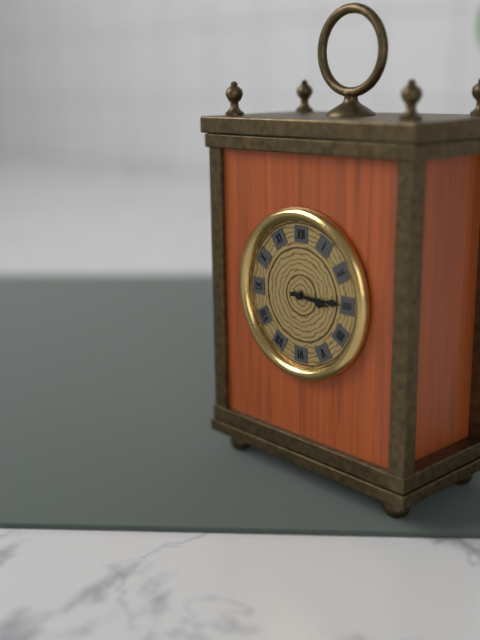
3,15
